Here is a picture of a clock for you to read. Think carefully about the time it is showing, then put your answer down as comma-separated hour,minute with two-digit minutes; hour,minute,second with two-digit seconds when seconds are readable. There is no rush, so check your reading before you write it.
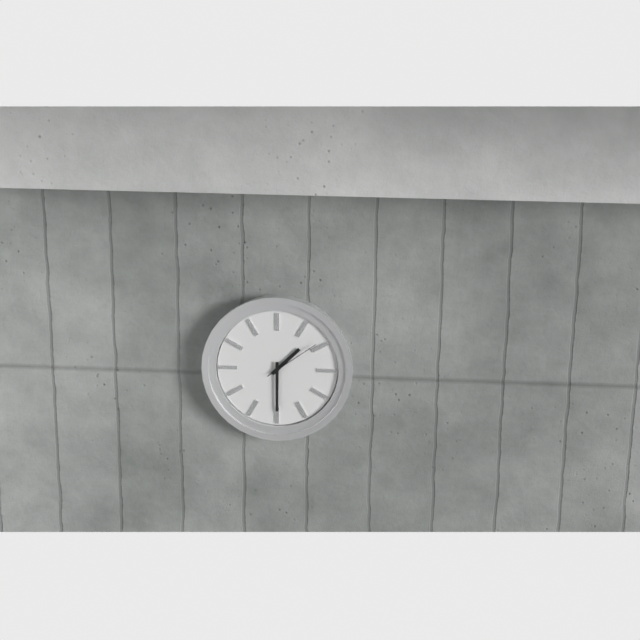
1,30,09
